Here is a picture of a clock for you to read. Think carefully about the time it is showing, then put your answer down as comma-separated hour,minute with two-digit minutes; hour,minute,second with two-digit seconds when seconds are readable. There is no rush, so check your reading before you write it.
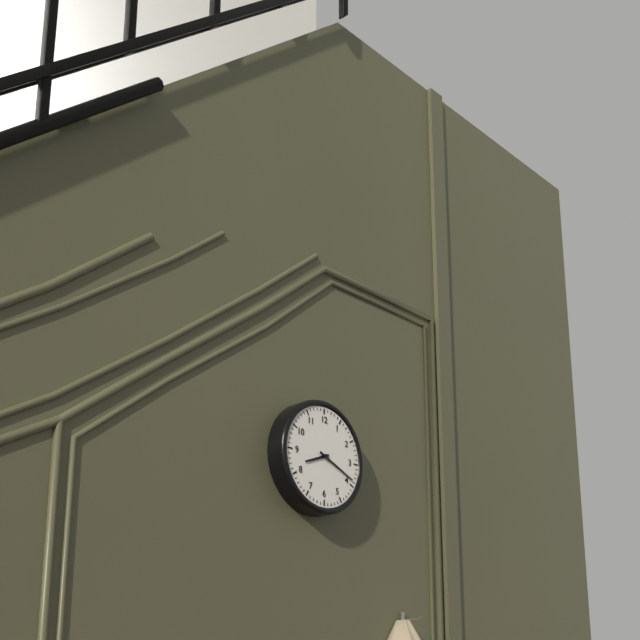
8,19
